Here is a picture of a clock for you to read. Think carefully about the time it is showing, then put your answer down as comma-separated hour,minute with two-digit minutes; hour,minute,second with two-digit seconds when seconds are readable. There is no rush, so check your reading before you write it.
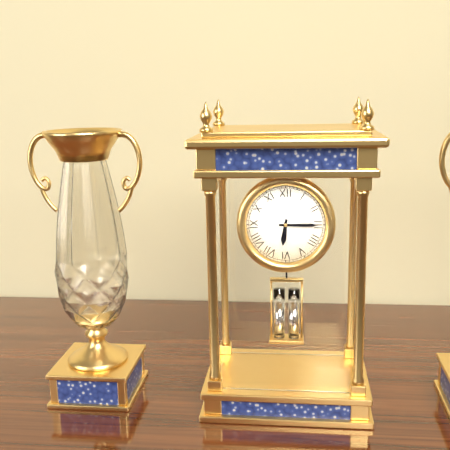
6,15
